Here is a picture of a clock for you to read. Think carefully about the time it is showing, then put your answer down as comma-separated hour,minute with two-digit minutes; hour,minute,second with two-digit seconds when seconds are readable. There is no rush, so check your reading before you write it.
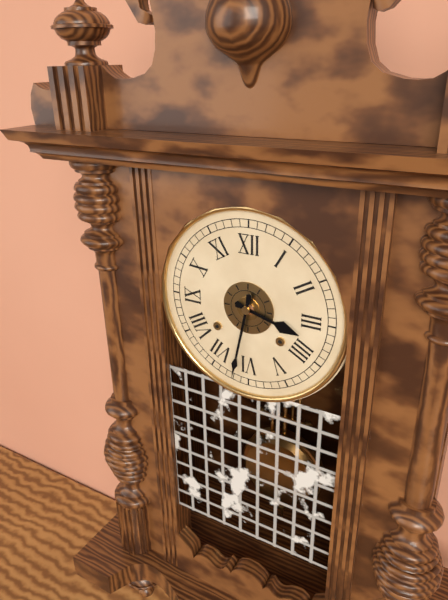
3,32
